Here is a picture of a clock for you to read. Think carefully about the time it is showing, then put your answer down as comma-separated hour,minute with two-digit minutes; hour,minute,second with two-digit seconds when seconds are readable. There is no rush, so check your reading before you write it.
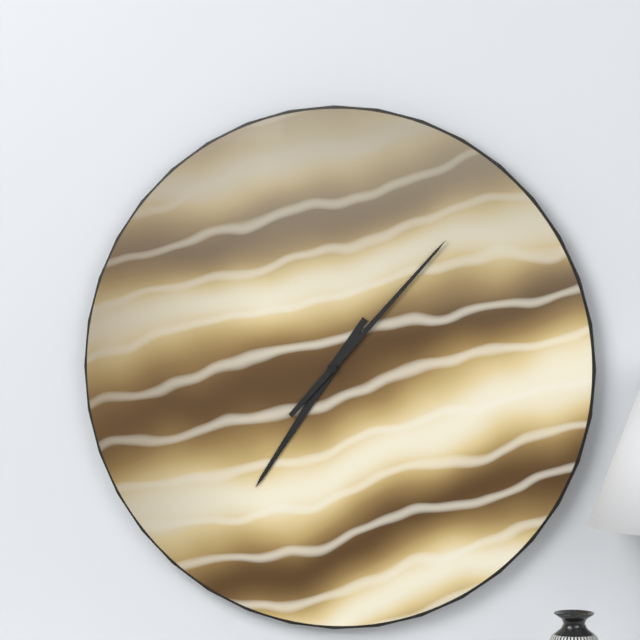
7,07
